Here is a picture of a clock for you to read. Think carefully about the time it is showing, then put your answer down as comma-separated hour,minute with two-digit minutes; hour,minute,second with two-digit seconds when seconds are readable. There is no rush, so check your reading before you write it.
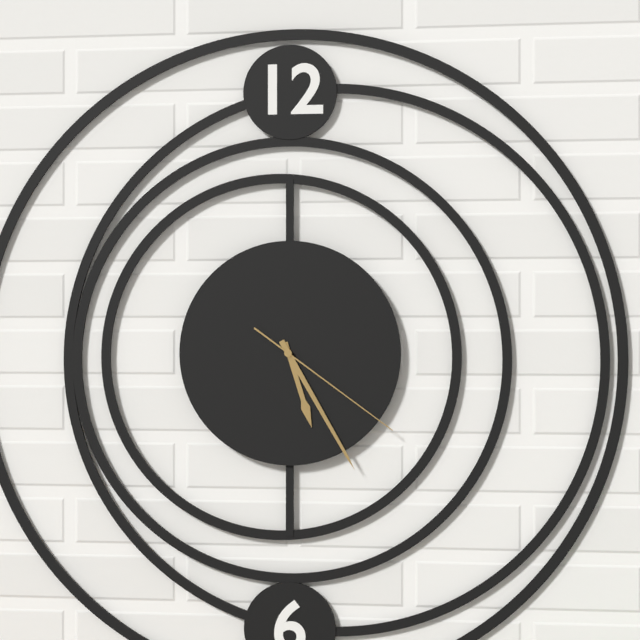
5,25,21
